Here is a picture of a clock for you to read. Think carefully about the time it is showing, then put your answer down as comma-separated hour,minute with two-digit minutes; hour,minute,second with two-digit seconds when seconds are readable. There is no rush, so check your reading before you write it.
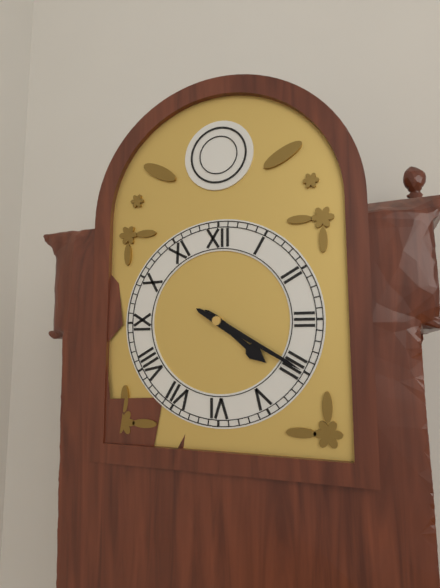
4,20
